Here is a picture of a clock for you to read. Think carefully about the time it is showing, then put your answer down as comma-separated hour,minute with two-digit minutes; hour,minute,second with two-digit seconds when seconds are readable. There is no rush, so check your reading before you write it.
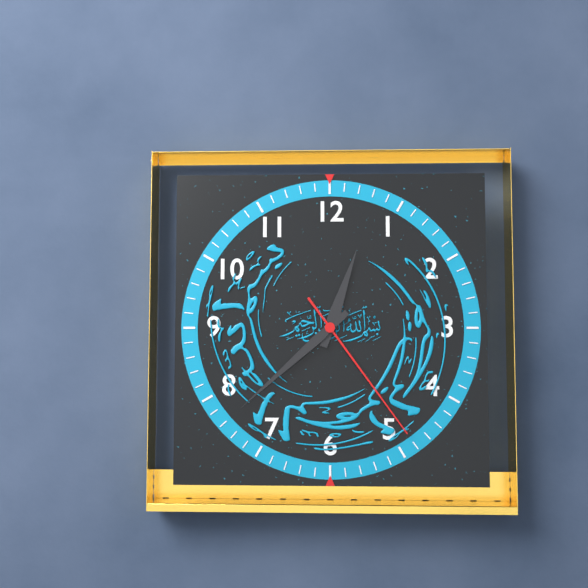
12,38,24
